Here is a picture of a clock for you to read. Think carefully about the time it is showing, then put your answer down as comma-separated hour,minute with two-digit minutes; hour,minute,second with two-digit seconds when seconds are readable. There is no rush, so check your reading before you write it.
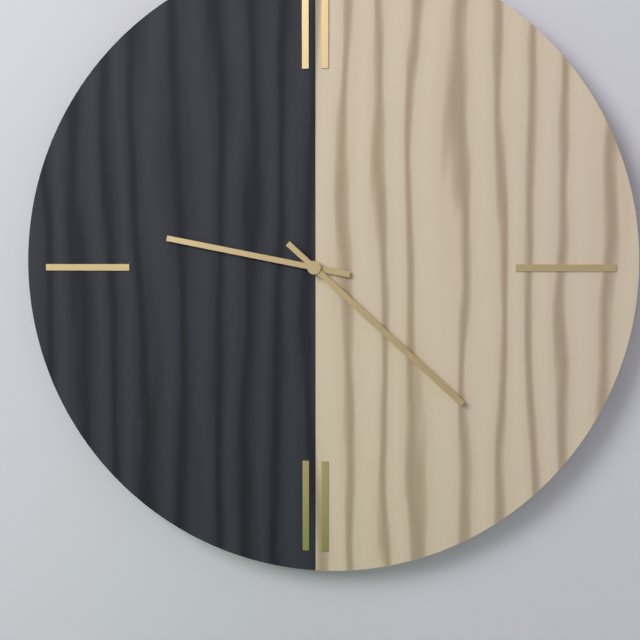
9,22
